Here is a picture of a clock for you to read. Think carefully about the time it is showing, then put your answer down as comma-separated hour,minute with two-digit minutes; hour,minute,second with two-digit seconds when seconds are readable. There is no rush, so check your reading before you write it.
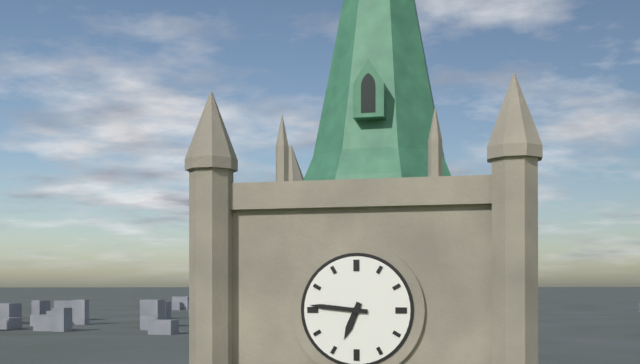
6,46
